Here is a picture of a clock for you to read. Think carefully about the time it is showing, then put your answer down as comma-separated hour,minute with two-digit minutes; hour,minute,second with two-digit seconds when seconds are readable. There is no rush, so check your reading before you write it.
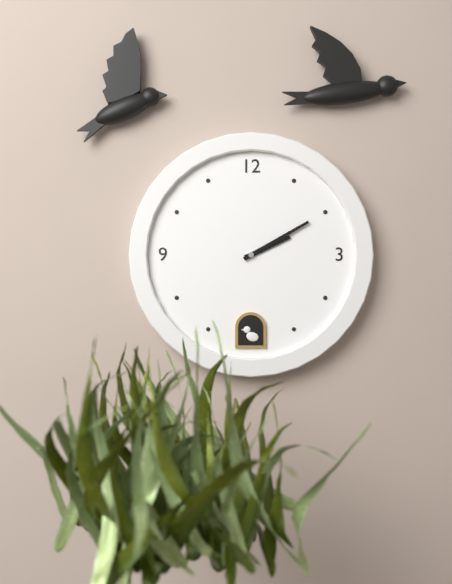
2,10
